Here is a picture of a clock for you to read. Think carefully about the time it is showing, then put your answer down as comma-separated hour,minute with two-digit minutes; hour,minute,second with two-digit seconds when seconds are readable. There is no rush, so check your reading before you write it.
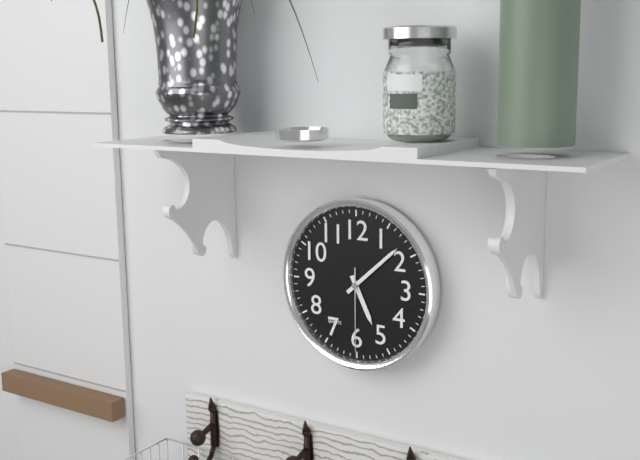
5,08,30
